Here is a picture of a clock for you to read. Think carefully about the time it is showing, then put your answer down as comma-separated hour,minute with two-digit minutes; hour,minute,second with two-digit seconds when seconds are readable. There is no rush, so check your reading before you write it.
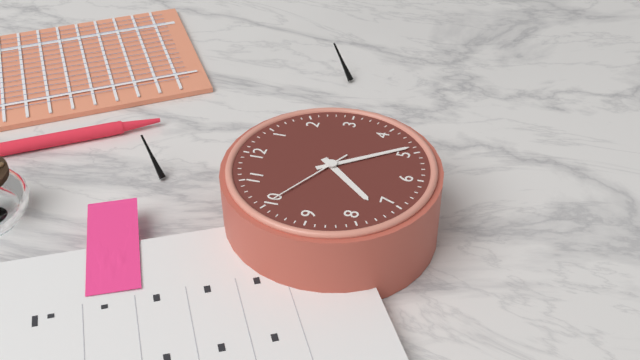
7,24,50
